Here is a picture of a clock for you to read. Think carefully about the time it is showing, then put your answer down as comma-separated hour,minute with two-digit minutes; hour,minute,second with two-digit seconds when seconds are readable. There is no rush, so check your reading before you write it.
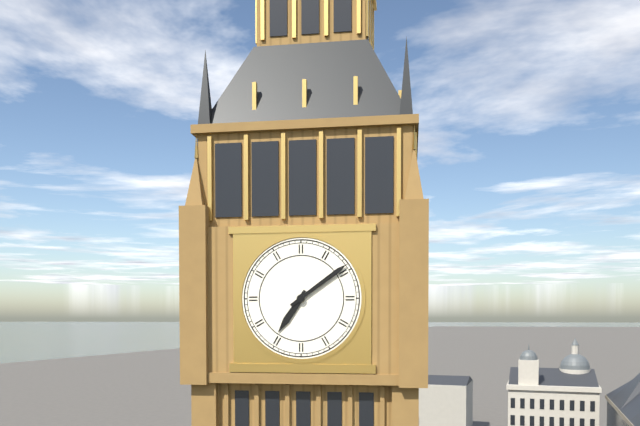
7,09
